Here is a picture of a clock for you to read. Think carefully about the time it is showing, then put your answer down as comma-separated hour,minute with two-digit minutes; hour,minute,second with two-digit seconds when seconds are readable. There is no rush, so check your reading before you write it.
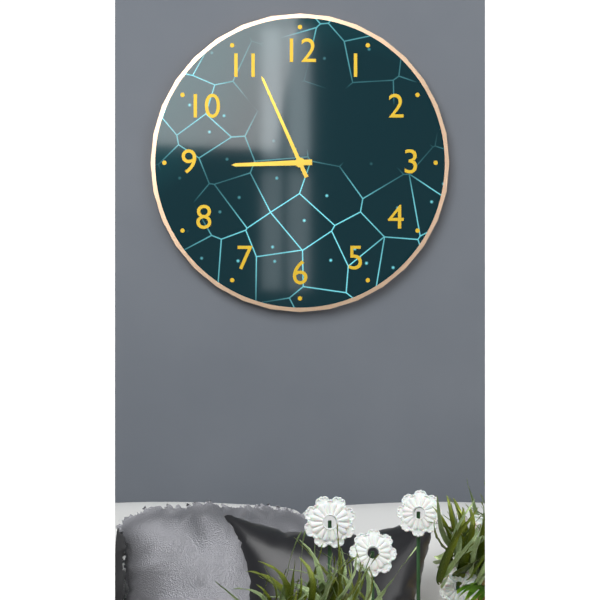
8,56
